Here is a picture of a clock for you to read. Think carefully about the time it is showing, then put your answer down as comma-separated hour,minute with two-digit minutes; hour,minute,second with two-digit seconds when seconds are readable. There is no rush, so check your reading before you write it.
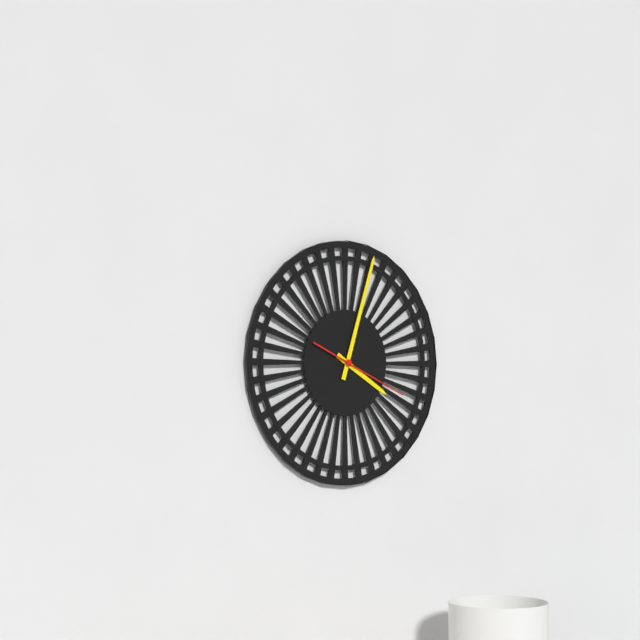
4,03,19
